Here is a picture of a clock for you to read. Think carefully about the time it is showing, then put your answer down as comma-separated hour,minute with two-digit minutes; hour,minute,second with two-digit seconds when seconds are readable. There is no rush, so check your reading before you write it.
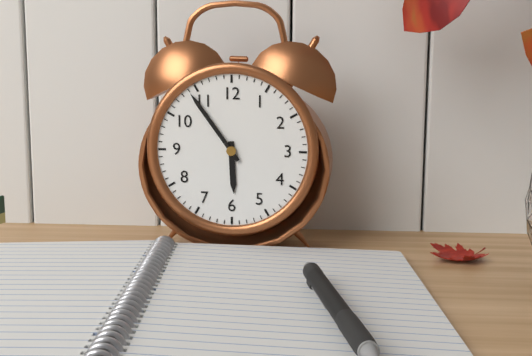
5,54
